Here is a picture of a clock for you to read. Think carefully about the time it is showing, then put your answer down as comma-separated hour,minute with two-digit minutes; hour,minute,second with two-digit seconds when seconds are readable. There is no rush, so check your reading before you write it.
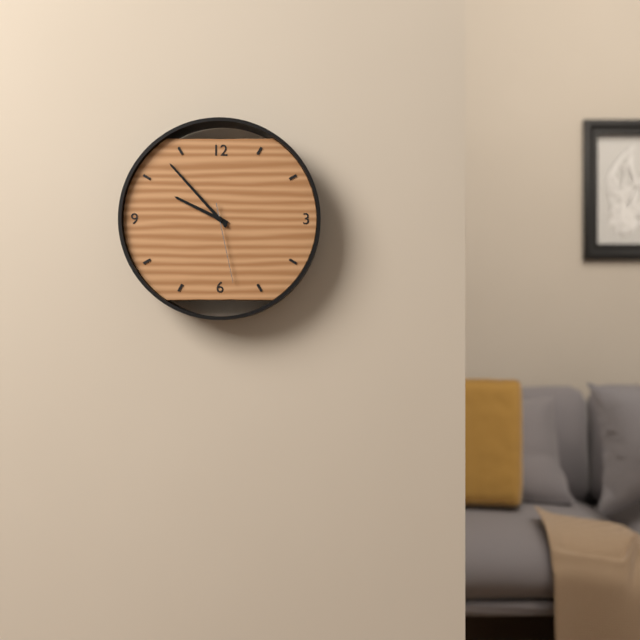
9,53,28
